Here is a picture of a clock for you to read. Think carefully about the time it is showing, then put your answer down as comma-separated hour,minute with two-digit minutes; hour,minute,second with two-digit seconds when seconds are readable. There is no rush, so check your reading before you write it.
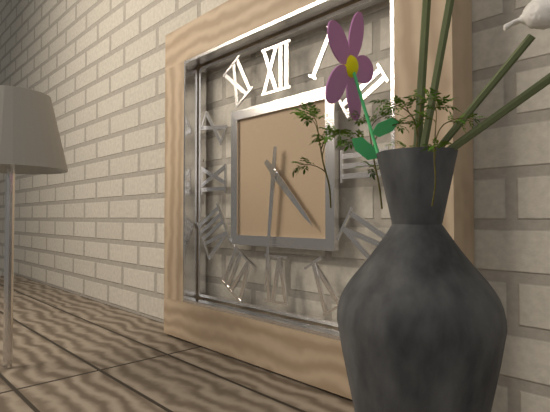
4,31
